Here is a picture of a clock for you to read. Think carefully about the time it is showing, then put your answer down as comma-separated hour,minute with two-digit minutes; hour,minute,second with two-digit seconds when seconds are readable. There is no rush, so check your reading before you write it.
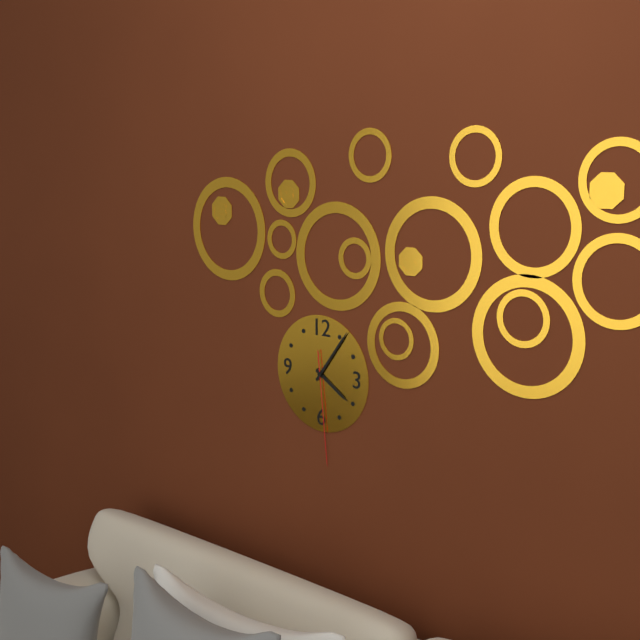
4,06,29
